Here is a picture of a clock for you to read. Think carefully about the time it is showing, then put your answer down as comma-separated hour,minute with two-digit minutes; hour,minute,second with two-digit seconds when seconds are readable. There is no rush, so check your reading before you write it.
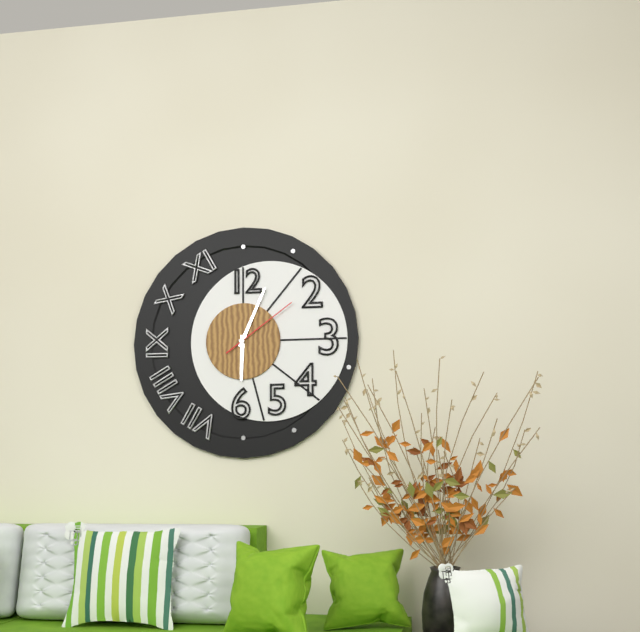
6,04,09
